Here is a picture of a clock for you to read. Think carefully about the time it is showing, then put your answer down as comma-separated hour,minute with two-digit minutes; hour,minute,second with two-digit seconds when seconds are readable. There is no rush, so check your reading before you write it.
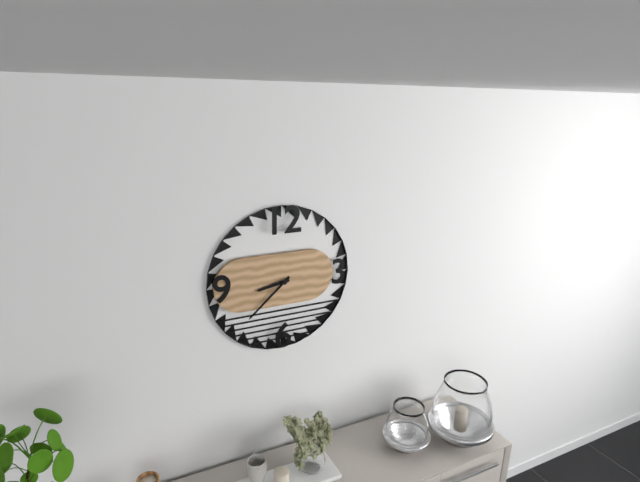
8,38
